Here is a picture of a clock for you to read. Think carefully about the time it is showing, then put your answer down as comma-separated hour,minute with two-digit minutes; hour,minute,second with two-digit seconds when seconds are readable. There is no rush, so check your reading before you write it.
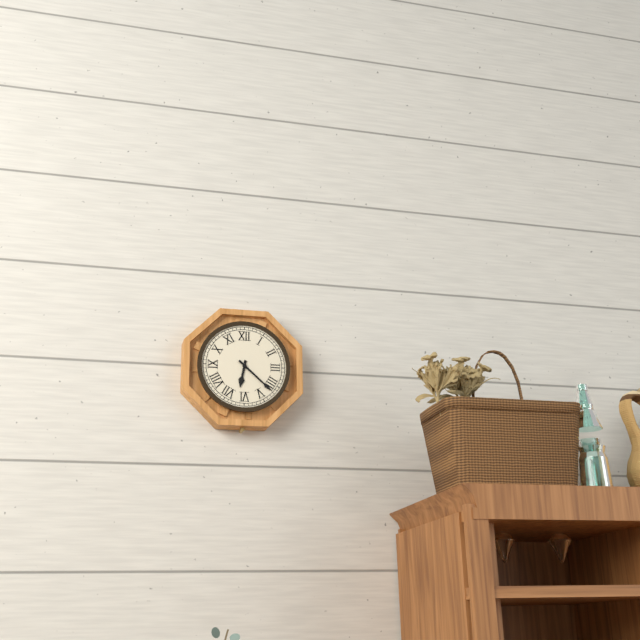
6,22
